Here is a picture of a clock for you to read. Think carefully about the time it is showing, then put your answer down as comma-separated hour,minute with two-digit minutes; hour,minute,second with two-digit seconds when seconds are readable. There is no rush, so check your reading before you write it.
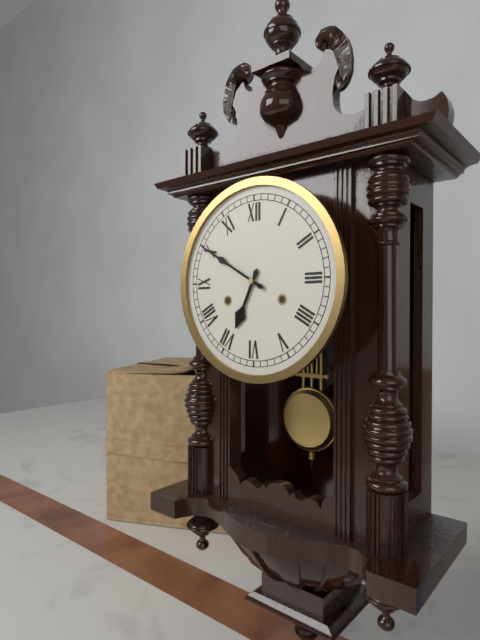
6,50
